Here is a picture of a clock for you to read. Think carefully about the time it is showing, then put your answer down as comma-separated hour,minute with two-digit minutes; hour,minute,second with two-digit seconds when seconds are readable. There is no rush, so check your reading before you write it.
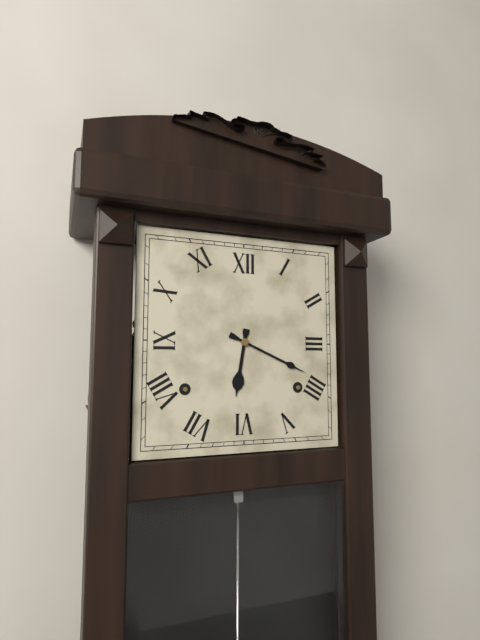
6,19
